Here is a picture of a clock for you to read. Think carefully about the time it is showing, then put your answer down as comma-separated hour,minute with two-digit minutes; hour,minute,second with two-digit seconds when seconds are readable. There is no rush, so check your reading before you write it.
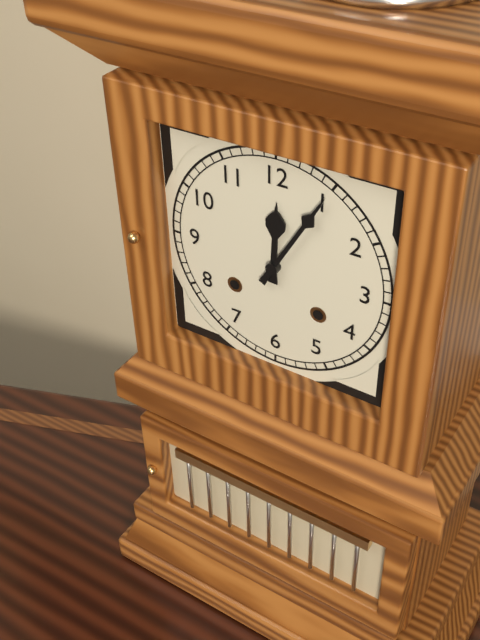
12,05
